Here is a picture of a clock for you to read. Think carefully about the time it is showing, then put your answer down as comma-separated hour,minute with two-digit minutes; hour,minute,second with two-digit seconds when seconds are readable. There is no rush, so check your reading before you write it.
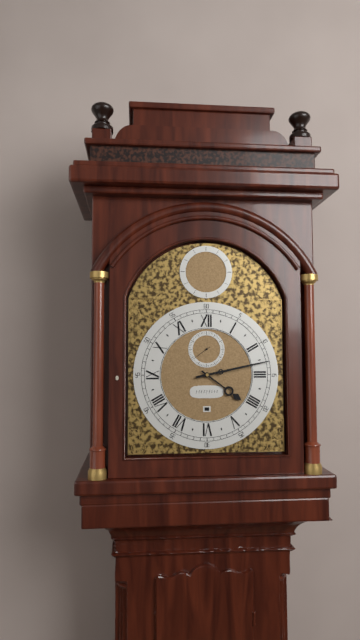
4,13
